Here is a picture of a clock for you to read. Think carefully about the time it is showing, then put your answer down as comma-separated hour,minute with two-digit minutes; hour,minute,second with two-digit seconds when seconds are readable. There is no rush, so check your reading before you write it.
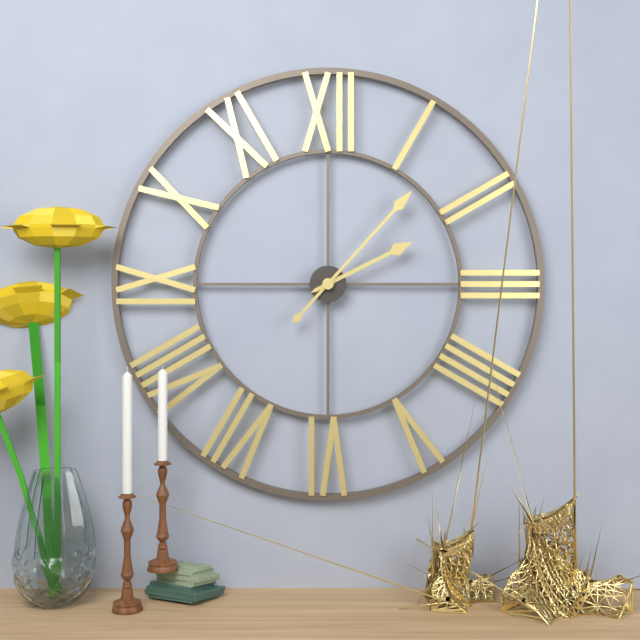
2,07
